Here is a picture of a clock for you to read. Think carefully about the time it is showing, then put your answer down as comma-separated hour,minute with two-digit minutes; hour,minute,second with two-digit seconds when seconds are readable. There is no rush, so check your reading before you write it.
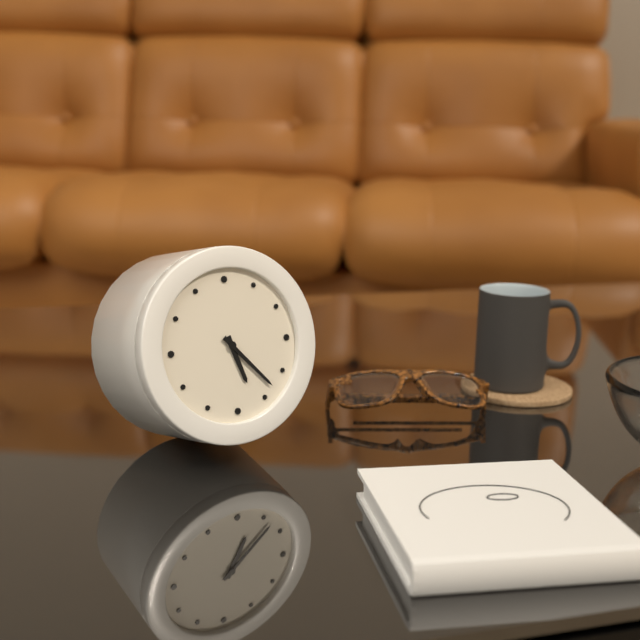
5,23
